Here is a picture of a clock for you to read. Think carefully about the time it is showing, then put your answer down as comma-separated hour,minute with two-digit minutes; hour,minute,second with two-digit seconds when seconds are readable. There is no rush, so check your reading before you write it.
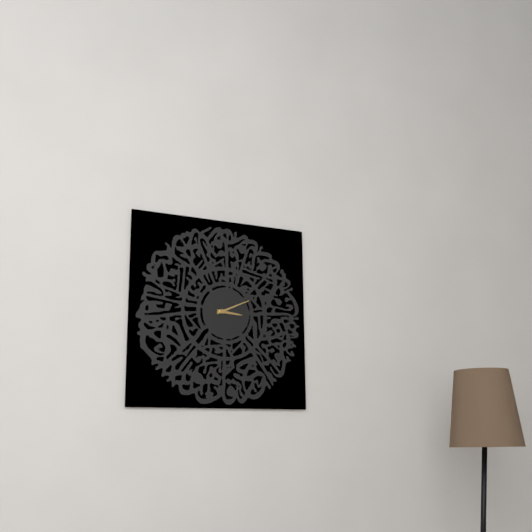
3,11
